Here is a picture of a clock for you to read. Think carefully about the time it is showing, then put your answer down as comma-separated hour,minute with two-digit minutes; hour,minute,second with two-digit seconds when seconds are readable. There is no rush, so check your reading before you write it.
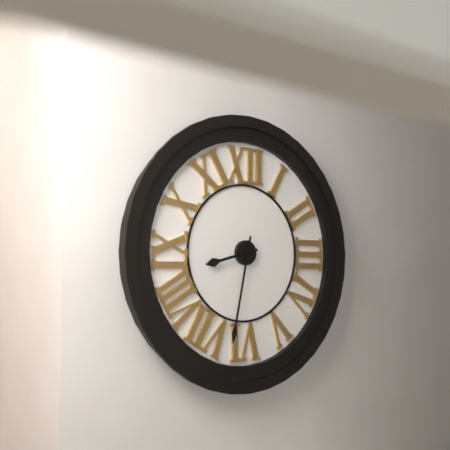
8,32
